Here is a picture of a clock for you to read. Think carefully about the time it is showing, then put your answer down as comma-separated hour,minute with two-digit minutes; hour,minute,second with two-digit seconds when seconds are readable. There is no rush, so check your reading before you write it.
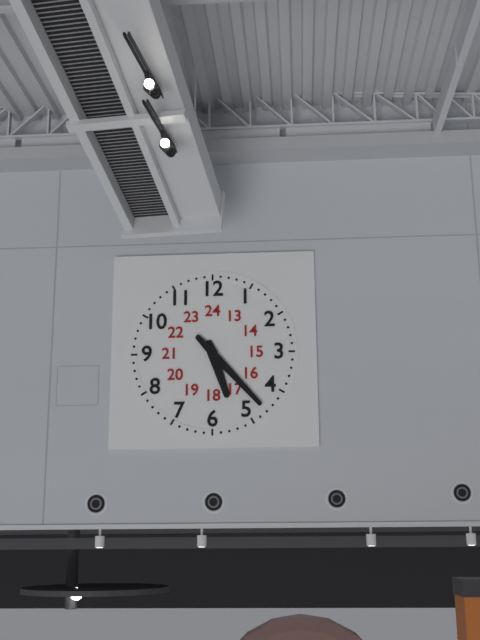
5,23
